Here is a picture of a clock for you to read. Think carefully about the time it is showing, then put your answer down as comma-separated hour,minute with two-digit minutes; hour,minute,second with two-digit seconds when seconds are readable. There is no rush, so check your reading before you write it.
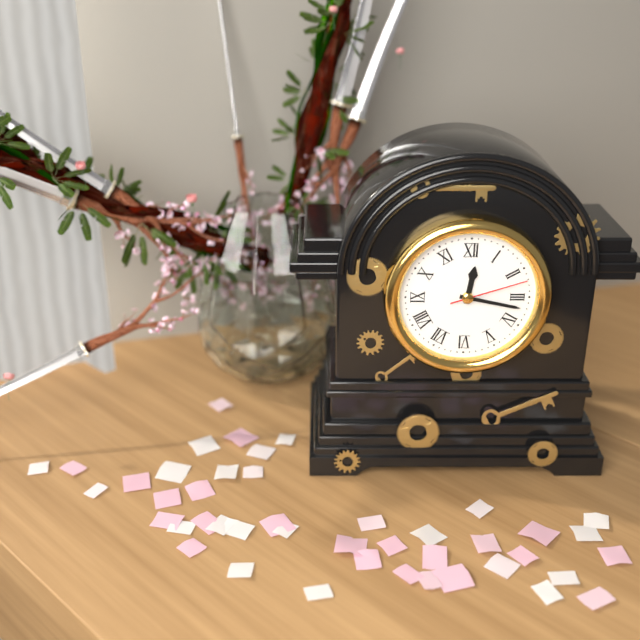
12,17,12
